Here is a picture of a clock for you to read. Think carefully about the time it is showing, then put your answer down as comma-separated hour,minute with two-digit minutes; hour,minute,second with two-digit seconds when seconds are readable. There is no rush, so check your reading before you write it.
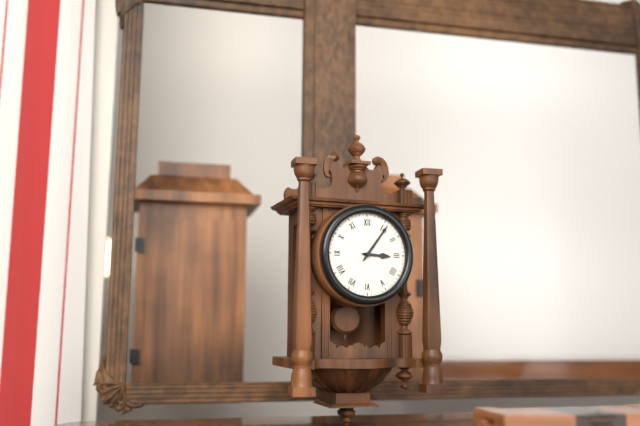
3,06
